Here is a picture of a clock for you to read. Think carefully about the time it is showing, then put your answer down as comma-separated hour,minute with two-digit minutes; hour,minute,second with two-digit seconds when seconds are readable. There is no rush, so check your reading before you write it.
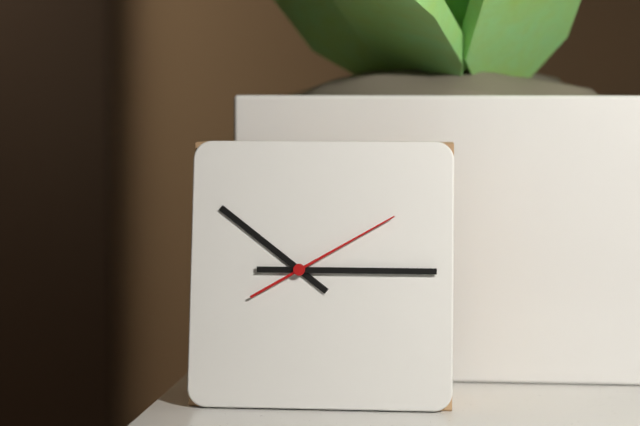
10,15,10
